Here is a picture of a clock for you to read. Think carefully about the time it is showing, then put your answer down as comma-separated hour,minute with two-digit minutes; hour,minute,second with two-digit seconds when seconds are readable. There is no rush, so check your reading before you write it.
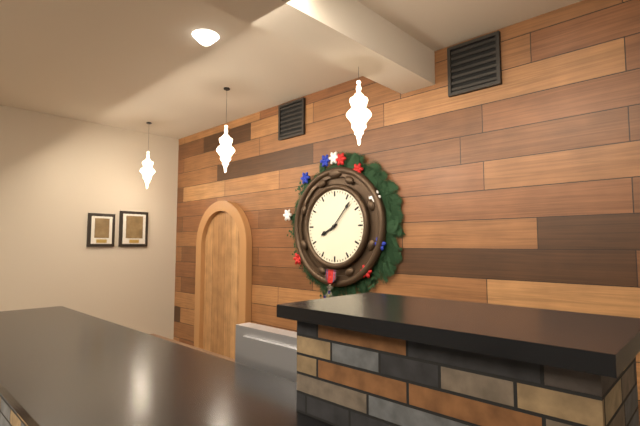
8,07
